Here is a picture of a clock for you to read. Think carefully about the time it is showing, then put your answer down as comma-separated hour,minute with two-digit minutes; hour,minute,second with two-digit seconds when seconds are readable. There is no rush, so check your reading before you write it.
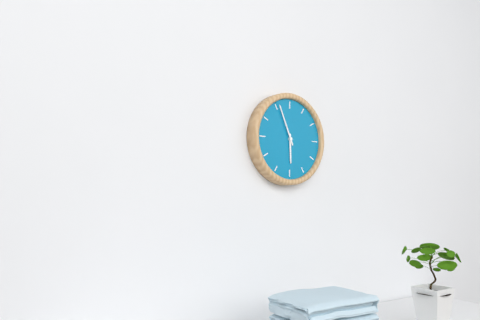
5,56
